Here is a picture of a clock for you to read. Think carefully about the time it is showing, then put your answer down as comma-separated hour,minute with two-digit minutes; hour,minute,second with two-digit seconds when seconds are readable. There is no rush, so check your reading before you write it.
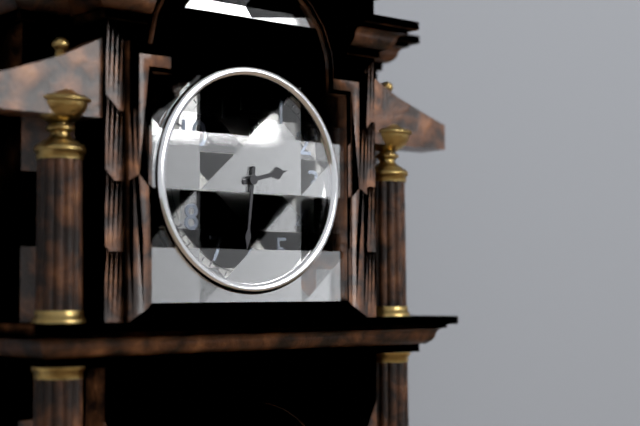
2,31
